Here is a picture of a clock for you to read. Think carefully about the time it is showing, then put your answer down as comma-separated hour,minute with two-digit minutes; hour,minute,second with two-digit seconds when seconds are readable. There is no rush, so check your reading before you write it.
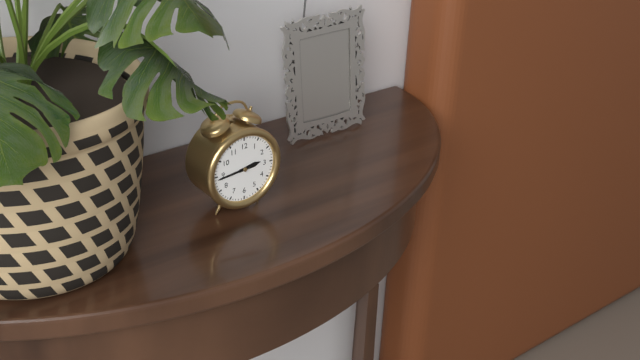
2,44
